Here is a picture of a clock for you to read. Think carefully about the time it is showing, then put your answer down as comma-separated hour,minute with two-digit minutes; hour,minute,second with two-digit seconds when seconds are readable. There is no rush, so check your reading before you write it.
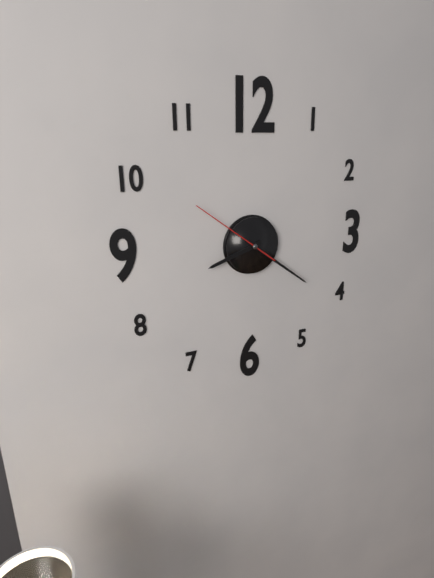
8,21,51
